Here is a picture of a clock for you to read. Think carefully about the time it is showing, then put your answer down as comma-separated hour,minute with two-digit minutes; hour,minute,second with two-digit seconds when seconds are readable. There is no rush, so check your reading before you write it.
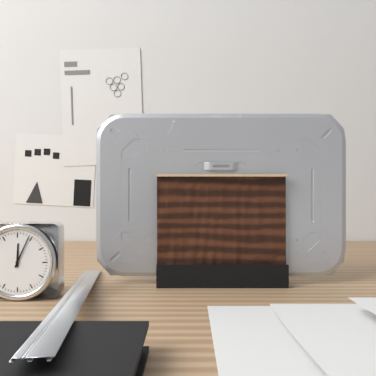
12,04
